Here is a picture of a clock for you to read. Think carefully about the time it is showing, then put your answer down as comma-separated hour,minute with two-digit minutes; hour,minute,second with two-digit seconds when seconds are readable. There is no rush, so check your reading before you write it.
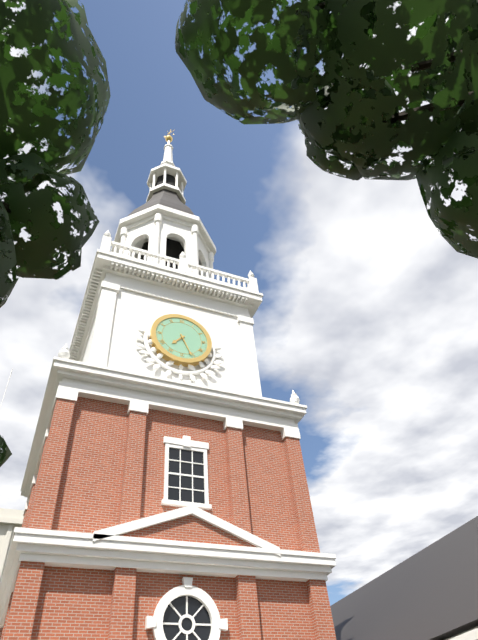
7,26
